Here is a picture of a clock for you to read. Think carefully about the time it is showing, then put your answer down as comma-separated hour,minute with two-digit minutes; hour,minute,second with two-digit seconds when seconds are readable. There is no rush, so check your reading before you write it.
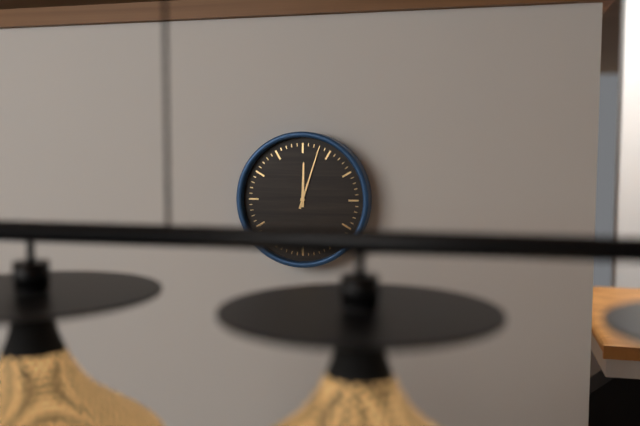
12,03
